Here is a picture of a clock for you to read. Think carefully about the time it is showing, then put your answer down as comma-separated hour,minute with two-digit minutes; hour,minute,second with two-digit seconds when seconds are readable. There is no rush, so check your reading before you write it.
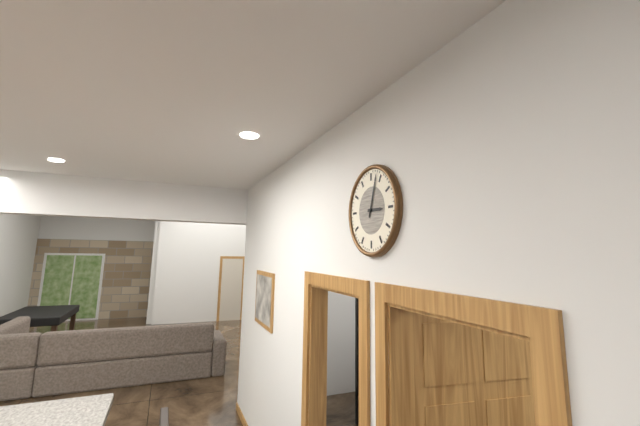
3,03
